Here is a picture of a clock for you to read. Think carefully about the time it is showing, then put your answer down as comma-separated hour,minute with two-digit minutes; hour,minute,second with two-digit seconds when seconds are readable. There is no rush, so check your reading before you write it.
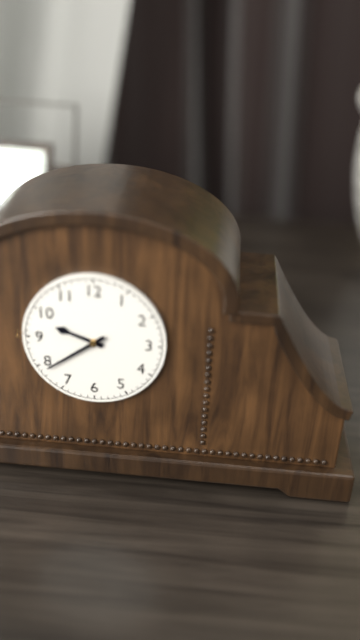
9,39
